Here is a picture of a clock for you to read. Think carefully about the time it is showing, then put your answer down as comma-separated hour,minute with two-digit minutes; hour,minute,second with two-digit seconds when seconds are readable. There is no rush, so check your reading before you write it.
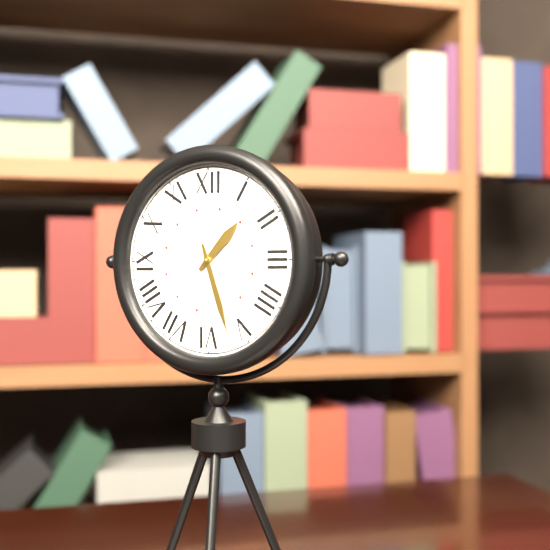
1,27
